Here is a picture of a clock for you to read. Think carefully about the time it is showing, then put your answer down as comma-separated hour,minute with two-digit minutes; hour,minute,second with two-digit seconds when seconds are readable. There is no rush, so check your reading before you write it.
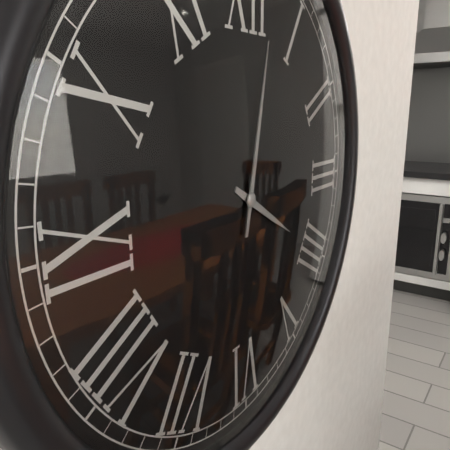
4,02
